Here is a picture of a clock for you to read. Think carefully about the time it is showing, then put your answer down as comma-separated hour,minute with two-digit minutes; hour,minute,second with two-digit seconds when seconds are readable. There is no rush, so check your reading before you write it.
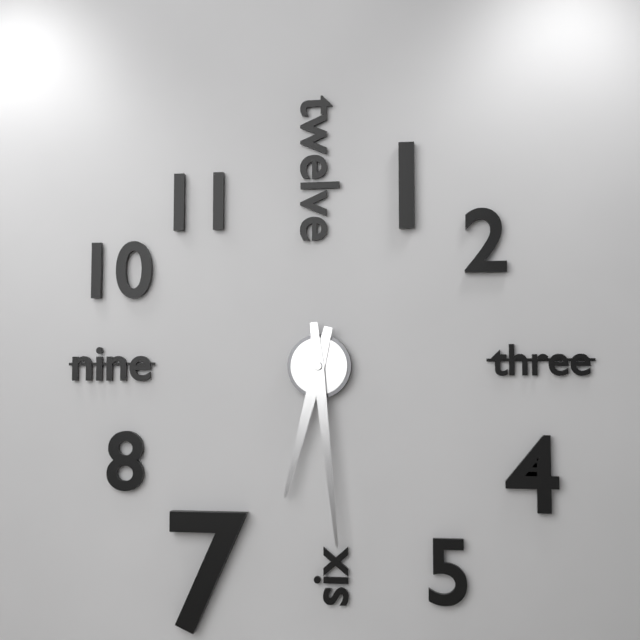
6,29
